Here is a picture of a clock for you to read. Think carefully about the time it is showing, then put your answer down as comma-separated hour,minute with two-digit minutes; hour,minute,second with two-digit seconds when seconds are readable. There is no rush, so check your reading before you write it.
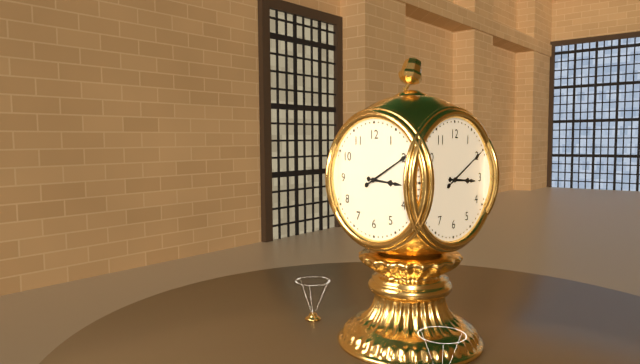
3,10
